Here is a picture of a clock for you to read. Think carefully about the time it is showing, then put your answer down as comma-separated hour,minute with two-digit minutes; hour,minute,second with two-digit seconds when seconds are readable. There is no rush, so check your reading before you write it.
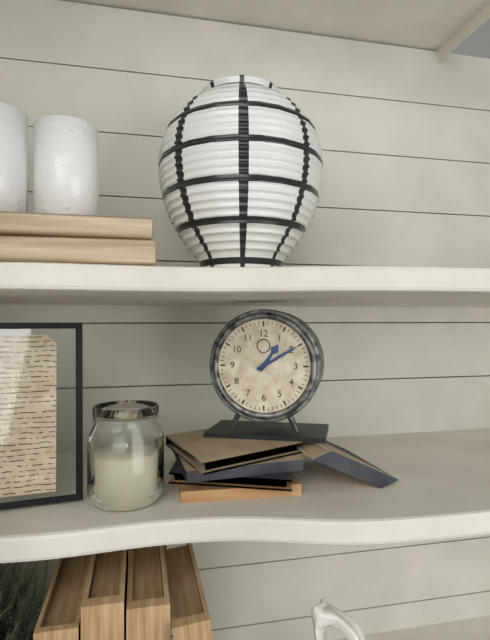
1,10
